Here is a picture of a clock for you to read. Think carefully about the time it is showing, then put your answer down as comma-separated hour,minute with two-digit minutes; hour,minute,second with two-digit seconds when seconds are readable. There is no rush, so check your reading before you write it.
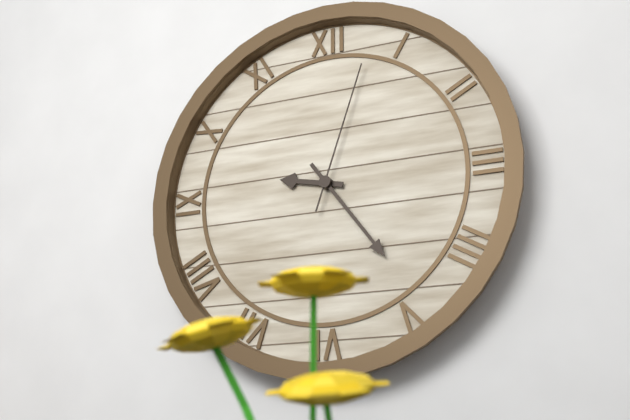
9,24,03
